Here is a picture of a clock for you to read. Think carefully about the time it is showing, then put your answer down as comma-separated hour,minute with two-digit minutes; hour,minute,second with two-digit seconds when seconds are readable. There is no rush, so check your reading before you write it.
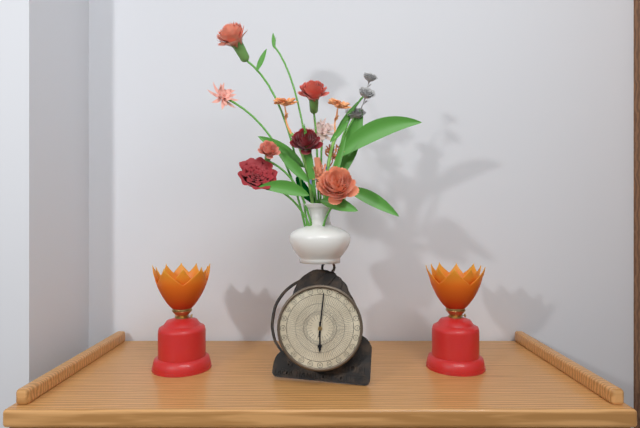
6,01
